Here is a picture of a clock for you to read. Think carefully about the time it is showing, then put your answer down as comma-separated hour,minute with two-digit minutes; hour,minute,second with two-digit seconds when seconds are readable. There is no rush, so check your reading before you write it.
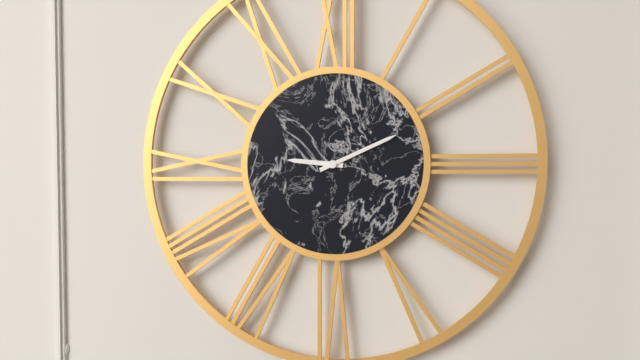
9,11
